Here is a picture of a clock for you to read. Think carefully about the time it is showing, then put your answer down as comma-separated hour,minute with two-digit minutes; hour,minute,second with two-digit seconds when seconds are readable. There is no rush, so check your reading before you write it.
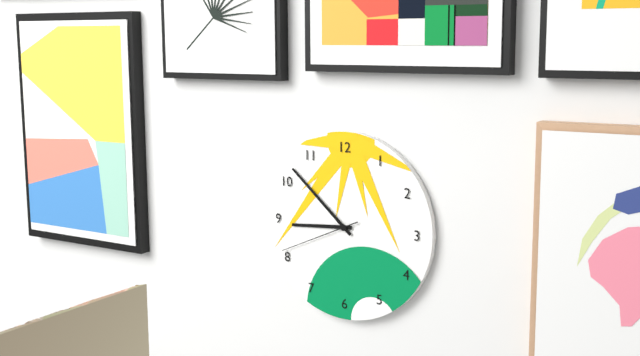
8,52,41
